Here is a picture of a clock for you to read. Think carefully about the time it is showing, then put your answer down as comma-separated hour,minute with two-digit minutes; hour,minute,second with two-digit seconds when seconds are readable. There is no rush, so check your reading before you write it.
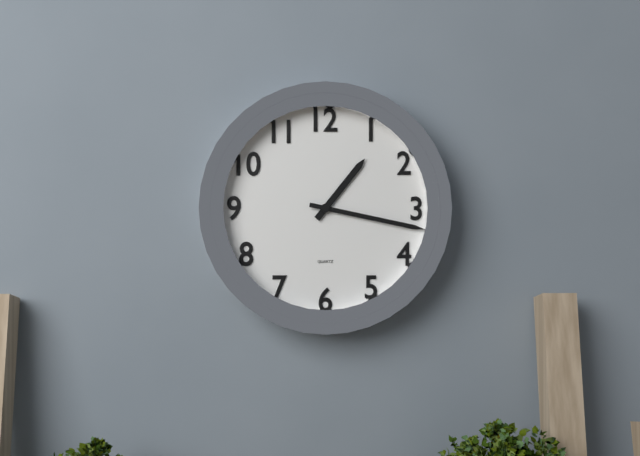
1,17
